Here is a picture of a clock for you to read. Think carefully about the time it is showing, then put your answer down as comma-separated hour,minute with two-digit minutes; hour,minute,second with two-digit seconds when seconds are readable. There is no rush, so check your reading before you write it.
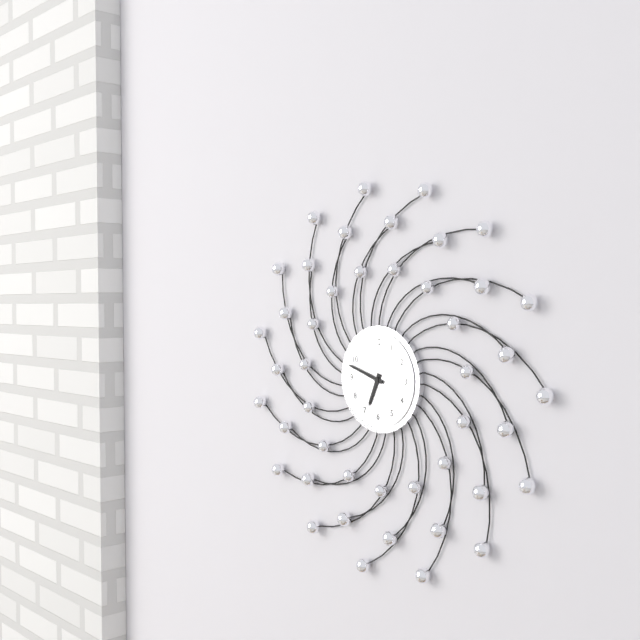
6,48
